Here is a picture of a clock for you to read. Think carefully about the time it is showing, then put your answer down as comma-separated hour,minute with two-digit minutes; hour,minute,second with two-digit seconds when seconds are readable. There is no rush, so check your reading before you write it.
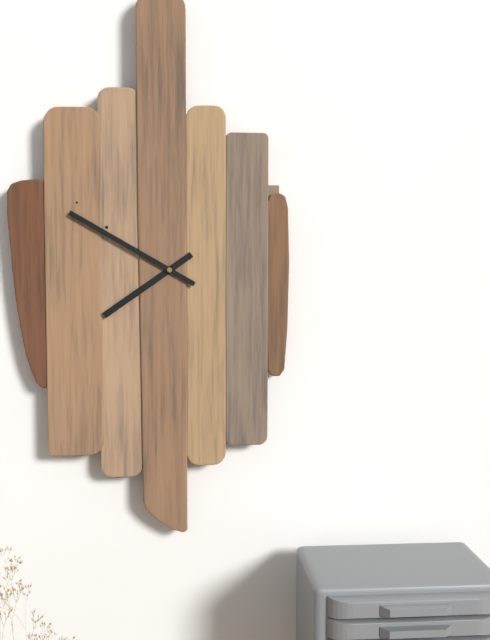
7,50
